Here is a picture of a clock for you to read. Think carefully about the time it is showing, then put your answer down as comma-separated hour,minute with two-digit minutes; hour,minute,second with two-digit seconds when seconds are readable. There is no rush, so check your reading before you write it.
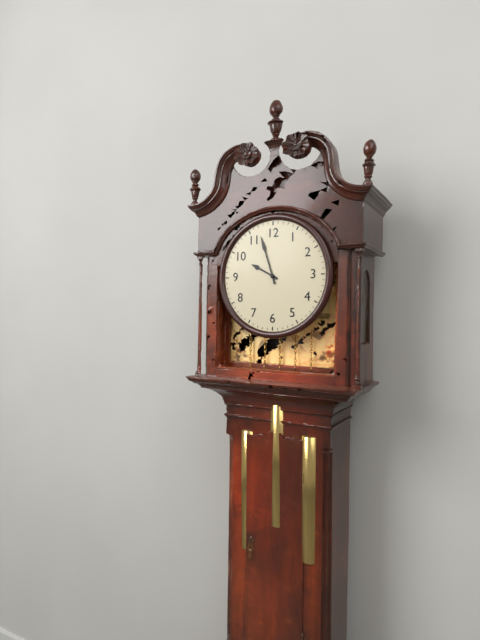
9,57
